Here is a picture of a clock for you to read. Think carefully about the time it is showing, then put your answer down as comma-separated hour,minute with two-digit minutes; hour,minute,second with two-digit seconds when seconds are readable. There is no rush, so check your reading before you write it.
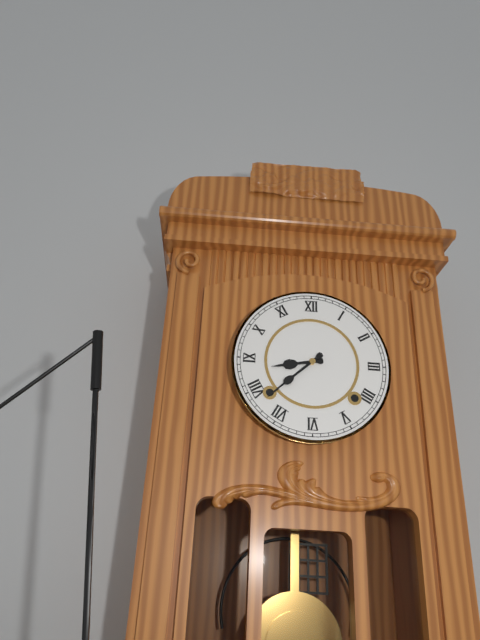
8,38
